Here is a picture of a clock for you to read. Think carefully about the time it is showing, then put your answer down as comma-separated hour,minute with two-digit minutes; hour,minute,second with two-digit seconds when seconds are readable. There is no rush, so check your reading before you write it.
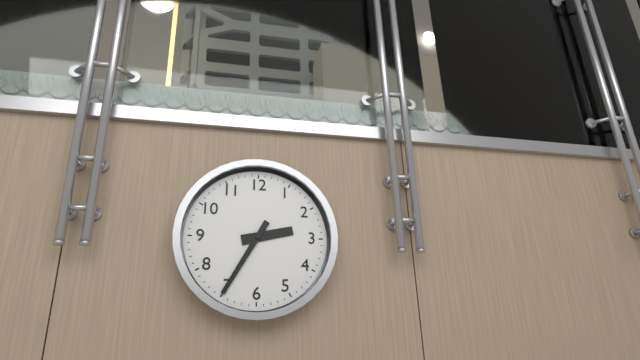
2,35
